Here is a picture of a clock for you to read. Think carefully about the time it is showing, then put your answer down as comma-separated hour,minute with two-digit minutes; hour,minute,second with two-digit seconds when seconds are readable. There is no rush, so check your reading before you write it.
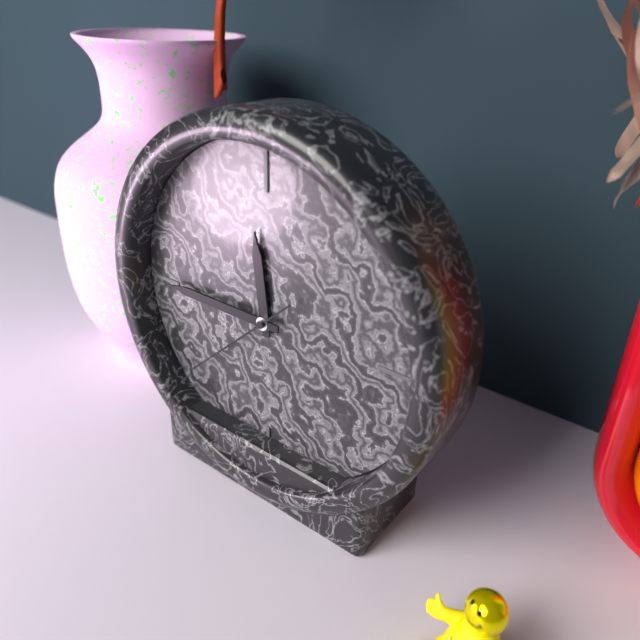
11,45,38
